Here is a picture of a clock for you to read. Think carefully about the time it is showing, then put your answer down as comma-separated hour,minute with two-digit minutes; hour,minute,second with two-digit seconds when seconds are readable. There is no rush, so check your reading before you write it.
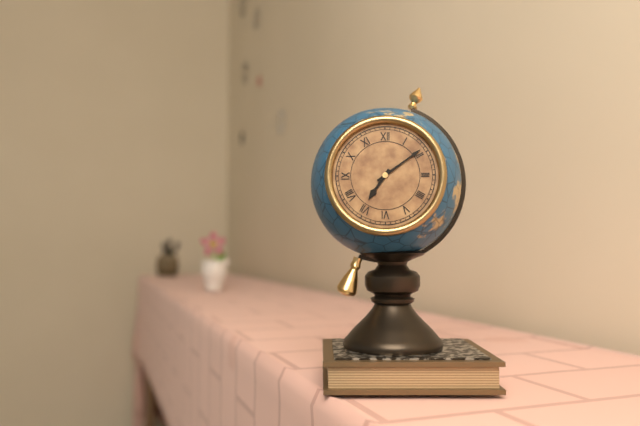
7,09
